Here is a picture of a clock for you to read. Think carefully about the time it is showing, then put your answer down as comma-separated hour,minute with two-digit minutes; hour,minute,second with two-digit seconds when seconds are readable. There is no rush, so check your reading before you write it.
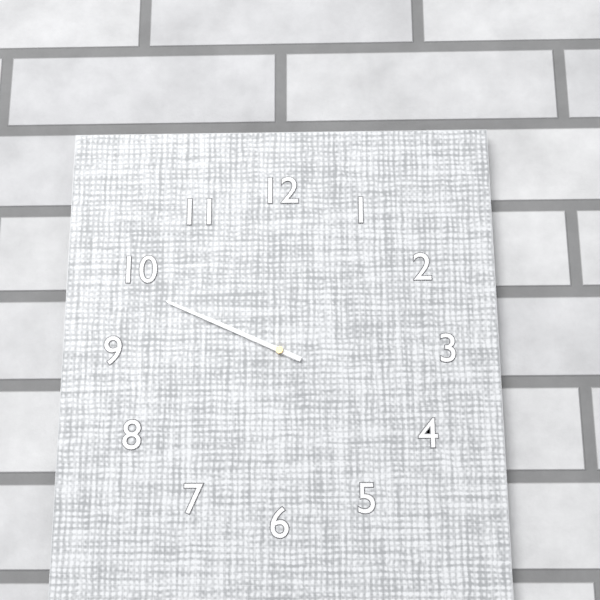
9,49
